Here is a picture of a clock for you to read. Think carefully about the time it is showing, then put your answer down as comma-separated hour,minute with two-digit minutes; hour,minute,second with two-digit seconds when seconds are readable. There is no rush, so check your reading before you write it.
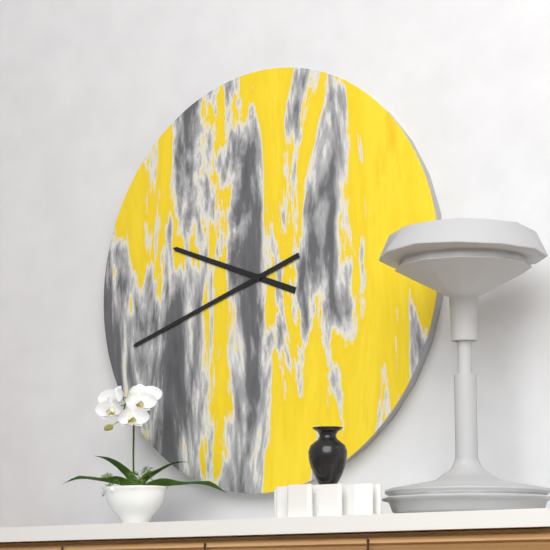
9,42
